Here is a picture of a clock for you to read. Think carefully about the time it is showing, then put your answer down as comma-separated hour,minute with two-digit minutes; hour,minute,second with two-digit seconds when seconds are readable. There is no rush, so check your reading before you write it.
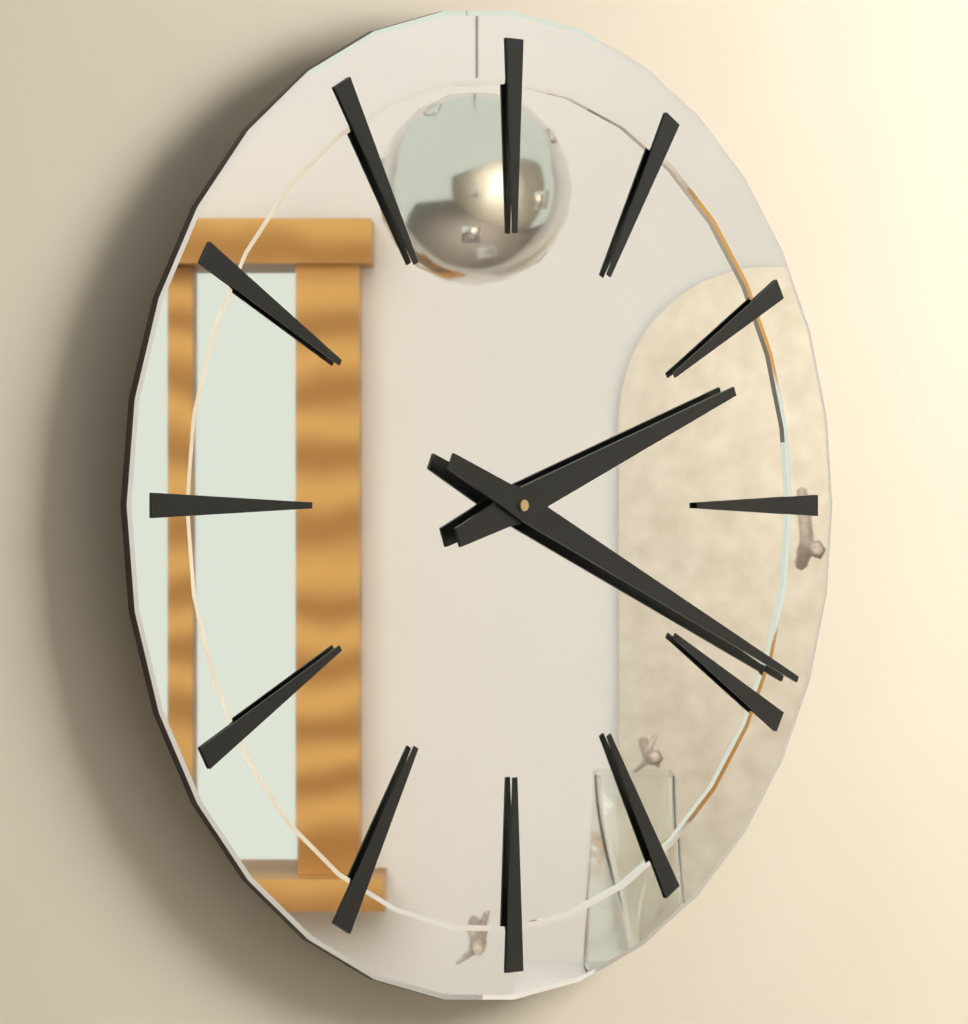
2,19
